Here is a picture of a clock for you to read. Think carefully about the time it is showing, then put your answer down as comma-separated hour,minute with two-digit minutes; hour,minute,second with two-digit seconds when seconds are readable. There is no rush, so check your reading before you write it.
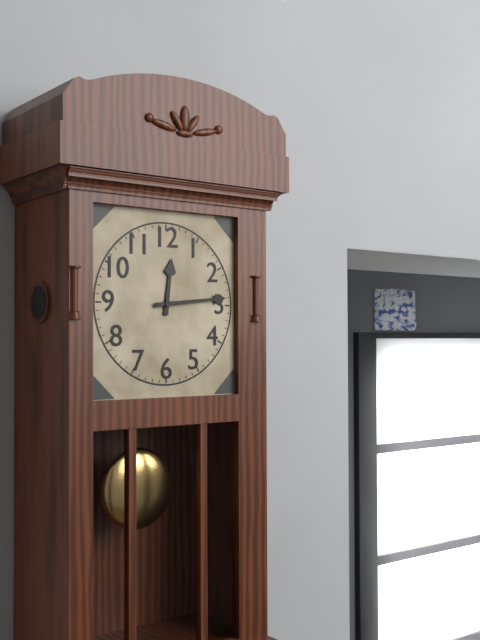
12,14
